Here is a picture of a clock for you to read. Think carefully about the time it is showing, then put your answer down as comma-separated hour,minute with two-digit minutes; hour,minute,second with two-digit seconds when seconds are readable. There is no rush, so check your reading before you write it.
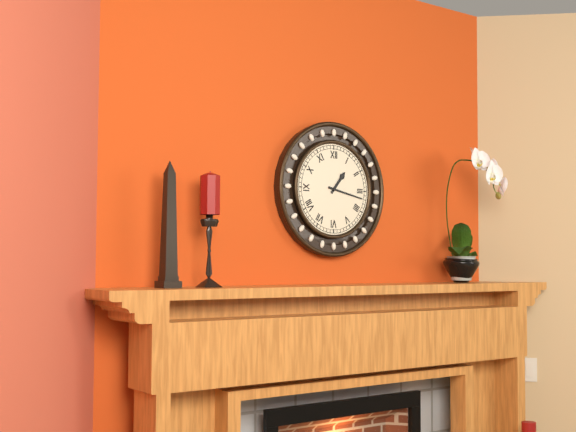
1,17
